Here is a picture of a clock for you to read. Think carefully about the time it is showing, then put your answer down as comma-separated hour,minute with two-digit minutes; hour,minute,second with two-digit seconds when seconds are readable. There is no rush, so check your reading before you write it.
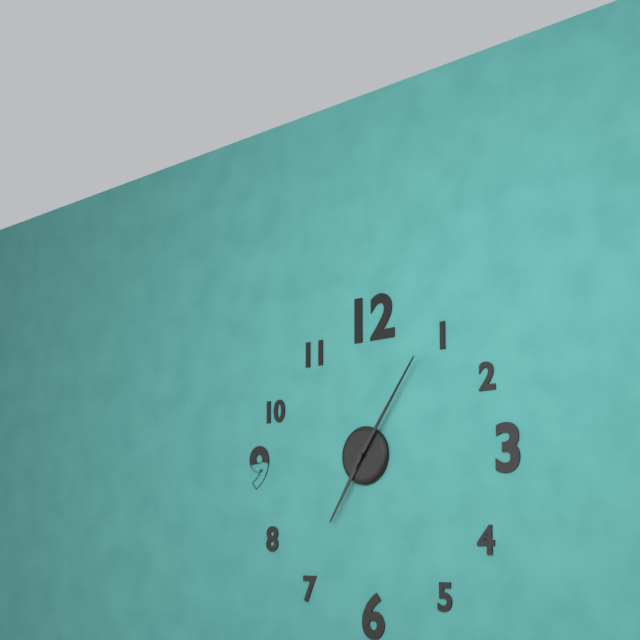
7,06
